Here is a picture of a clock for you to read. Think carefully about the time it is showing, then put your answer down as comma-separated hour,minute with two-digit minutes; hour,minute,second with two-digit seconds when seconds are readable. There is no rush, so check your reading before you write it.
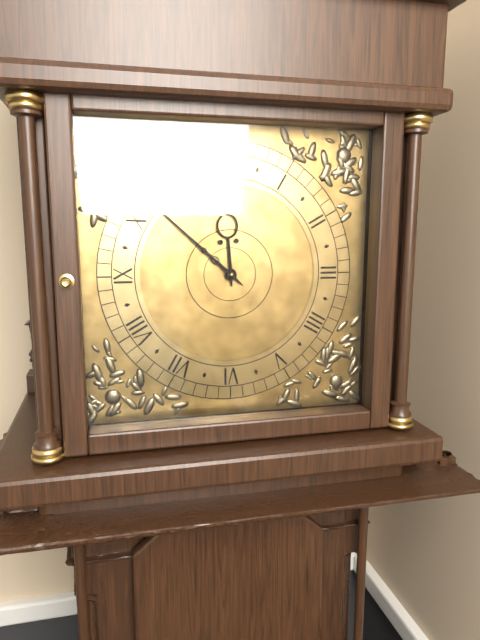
11,52
